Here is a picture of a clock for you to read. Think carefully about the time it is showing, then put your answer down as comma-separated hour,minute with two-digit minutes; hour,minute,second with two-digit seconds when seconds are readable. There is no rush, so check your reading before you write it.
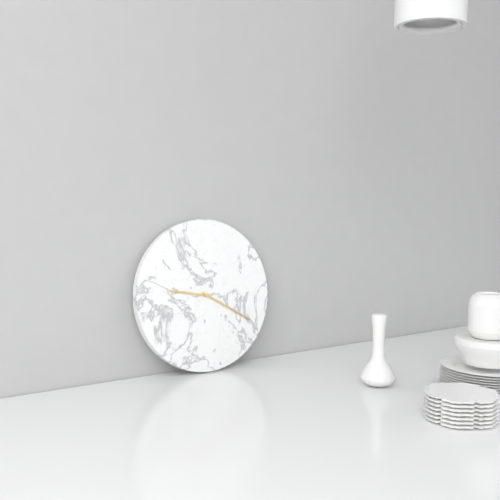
9,20
